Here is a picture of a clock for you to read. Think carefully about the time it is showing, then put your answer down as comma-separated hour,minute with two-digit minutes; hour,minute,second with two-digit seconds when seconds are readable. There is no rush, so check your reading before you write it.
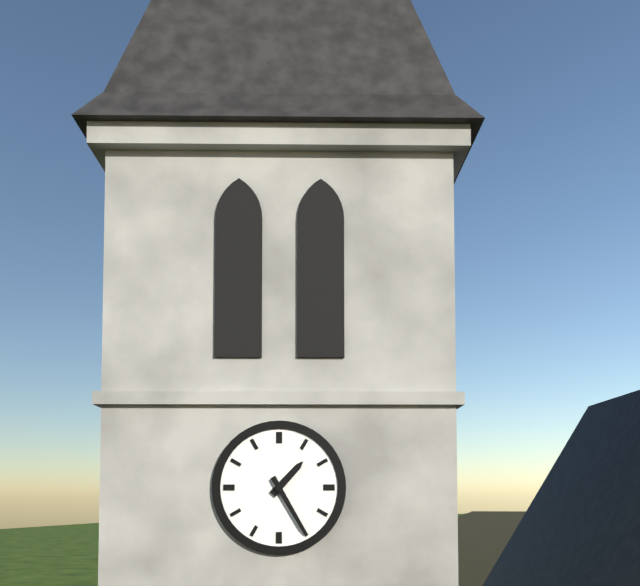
1,25
